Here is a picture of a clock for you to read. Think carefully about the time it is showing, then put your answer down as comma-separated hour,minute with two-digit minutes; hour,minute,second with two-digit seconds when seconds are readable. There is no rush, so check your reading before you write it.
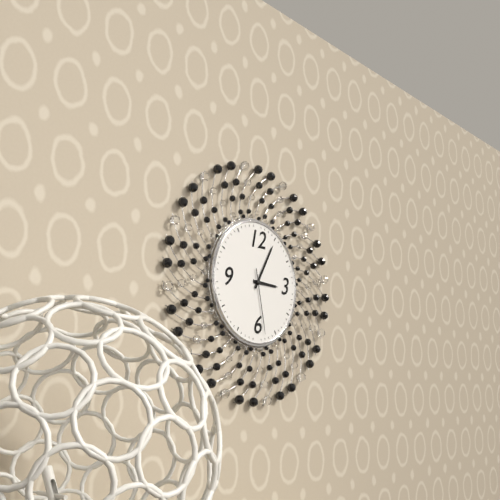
3,05,28
